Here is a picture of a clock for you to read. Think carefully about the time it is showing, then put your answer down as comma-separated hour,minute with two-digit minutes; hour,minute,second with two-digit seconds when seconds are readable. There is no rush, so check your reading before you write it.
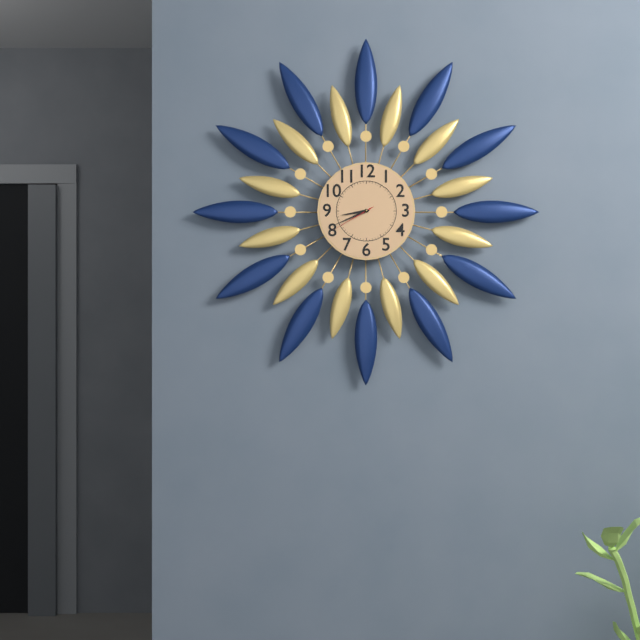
8,41,40
